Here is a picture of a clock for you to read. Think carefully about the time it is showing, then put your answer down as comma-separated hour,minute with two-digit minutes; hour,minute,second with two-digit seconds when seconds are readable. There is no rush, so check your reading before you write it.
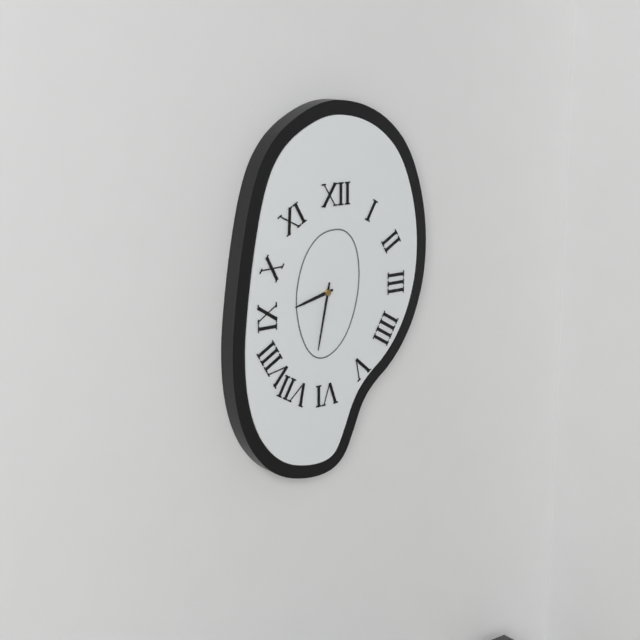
8,32
